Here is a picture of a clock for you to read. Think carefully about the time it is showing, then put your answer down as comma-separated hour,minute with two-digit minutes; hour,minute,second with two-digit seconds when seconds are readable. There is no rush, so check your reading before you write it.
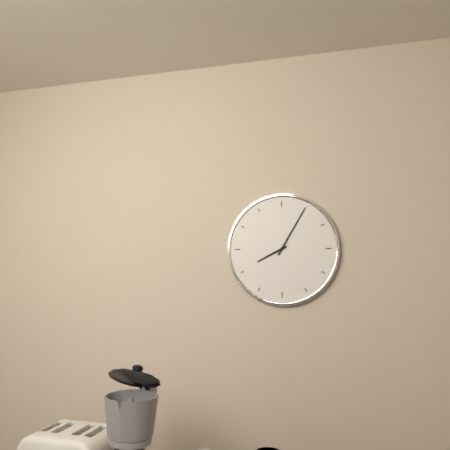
8,05
